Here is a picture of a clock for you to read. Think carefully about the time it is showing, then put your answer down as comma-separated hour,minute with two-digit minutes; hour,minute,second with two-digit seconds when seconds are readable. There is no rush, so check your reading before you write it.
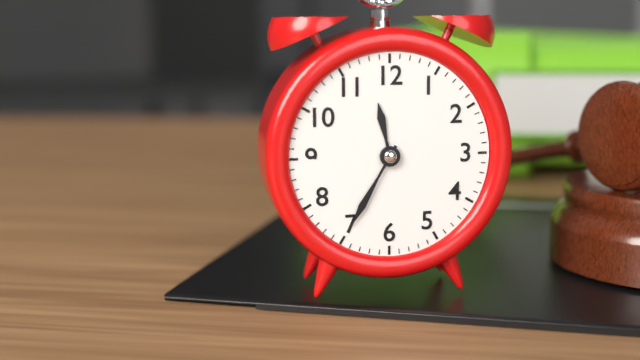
11,35
